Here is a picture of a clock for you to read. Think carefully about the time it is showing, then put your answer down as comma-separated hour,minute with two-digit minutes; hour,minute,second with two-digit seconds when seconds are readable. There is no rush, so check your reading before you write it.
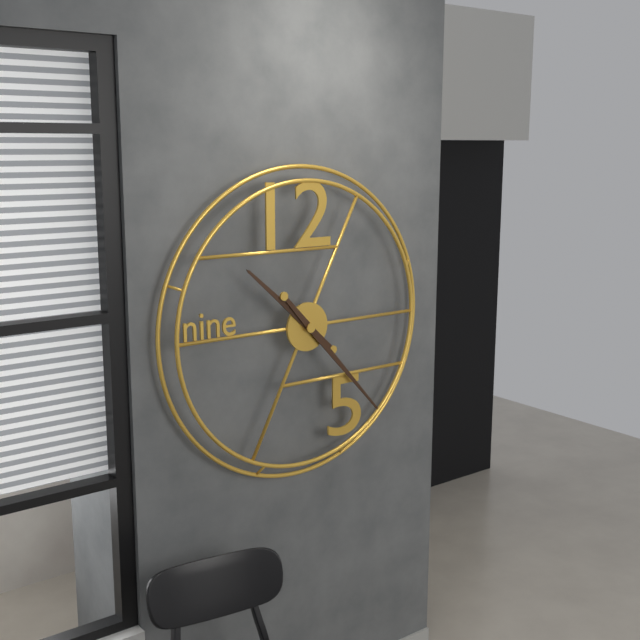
10,23
